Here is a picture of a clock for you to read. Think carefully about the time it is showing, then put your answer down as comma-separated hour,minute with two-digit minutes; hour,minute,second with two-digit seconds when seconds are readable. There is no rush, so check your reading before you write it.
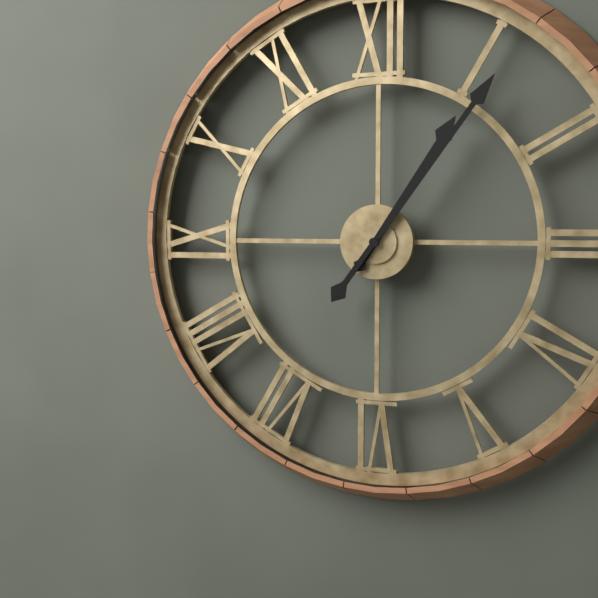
1,06
